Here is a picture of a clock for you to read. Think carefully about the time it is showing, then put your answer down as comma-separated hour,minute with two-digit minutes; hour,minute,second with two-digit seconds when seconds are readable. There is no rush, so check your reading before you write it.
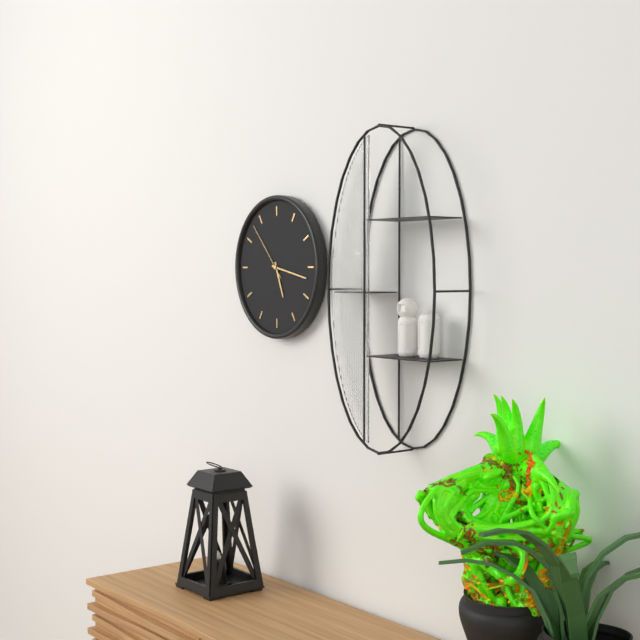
5,17,53
